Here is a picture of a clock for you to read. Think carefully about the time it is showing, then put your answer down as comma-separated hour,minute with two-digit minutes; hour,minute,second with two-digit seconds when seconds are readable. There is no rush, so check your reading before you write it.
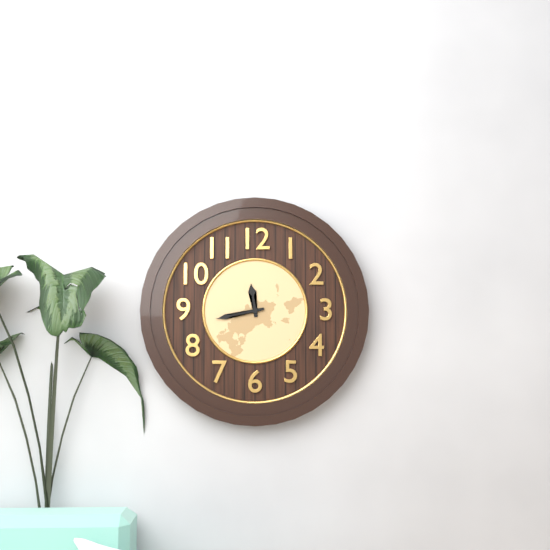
11,43
